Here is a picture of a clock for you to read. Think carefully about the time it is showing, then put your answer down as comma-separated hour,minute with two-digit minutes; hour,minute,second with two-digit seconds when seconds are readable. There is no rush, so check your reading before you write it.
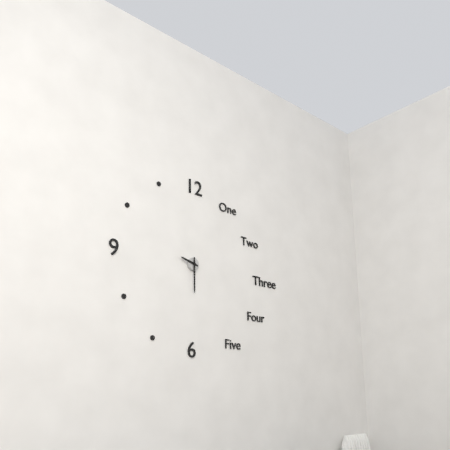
9,30
